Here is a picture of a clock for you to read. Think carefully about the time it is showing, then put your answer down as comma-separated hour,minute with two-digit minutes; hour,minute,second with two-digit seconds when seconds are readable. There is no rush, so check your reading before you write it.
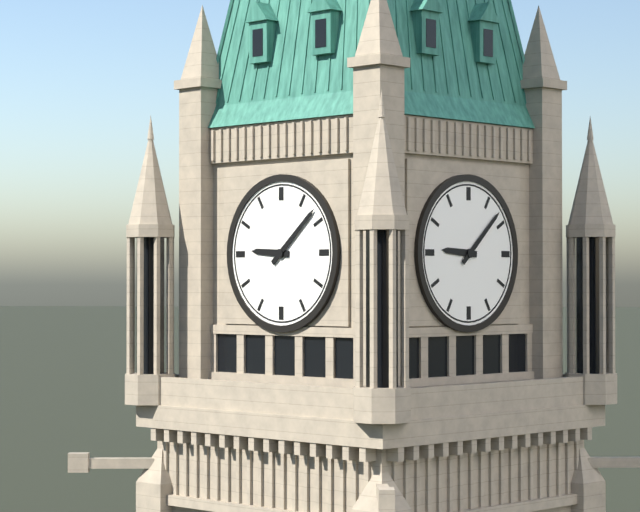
9,08
